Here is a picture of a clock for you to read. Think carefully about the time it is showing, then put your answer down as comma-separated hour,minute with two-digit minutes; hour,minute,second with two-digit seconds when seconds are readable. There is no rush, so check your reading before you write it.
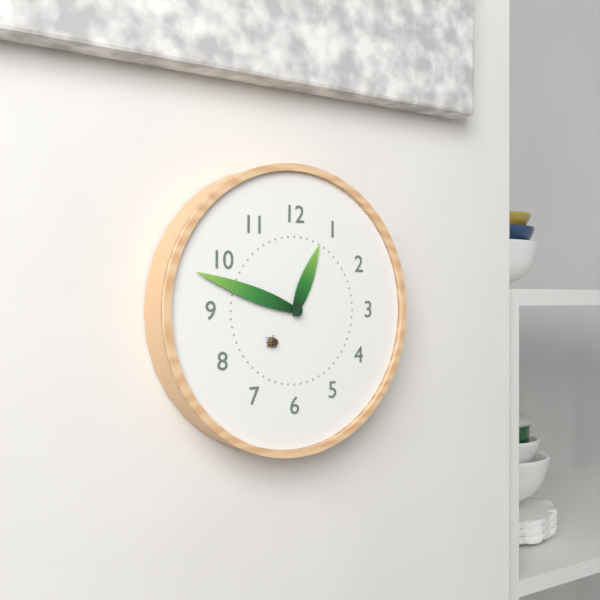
12,48
